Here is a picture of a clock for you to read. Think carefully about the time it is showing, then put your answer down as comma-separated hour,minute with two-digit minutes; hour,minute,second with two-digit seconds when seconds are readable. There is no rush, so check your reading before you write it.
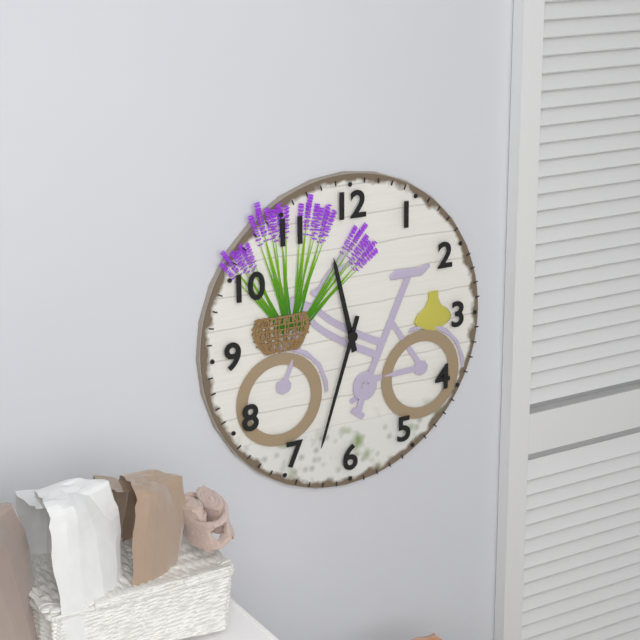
11,33
